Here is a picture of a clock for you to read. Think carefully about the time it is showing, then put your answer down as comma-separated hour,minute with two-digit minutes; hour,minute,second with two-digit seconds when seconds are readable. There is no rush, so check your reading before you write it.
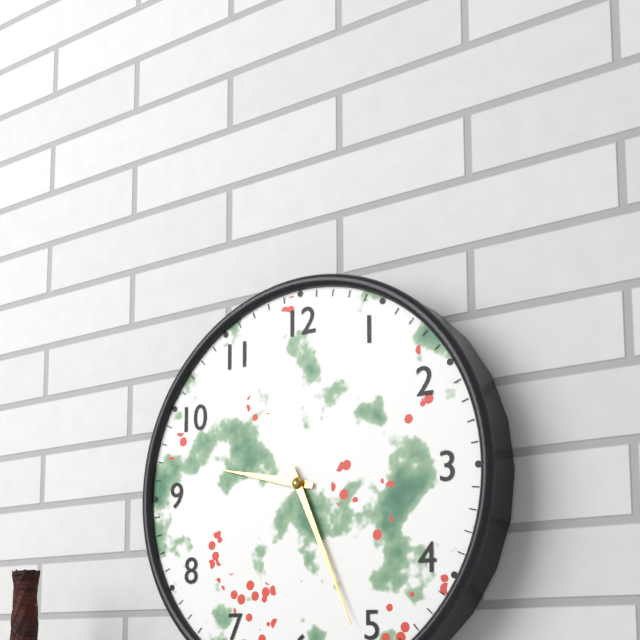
9,26
